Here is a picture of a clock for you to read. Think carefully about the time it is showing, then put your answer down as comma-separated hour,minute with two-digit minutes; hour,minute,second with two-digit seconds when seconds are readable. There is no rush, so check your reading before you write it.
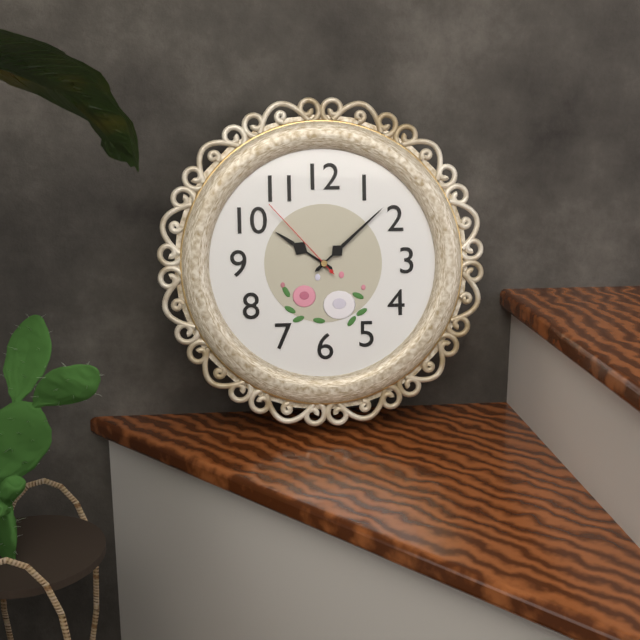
10,08,53
